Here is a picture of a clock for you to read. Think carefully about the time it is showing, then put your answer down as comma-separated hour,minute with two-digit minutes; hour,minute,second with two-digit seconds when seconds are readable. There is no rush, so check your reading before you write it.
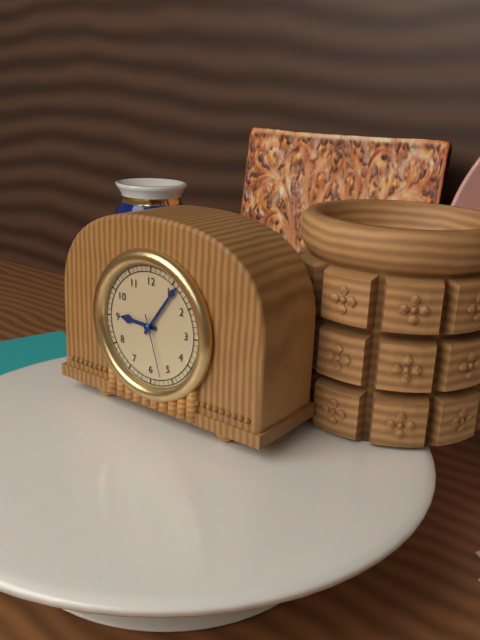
9,06,27
